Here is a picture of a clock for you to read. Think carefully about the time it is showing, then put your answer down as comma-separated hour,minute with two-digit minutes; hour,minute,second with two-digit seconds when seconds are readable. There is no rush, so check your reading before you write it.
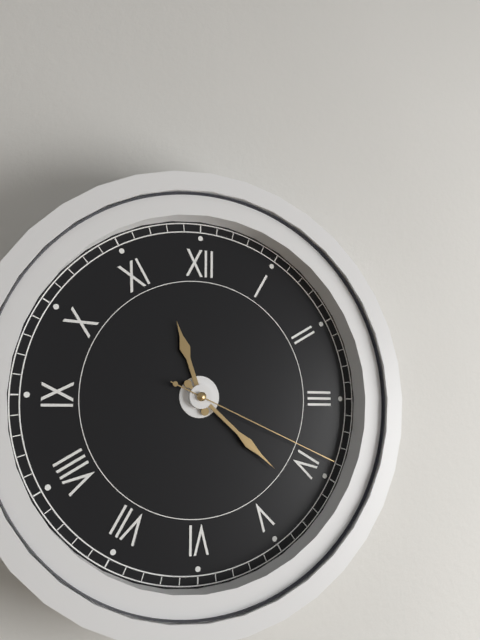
11,22,19
